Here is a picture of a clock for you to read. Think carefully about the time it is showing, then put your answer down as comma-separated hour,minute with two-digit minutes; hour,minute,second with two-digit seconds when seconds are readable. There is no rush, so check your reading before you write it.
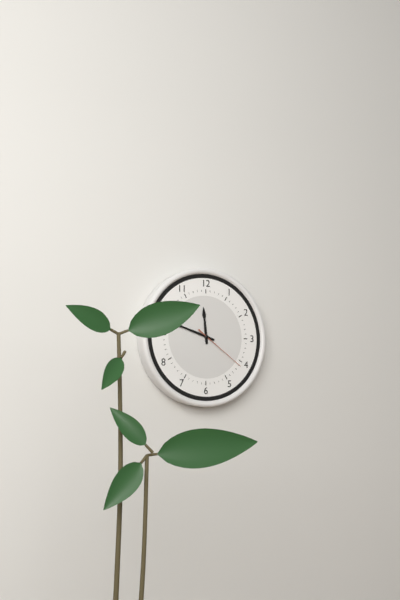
11,48,21
